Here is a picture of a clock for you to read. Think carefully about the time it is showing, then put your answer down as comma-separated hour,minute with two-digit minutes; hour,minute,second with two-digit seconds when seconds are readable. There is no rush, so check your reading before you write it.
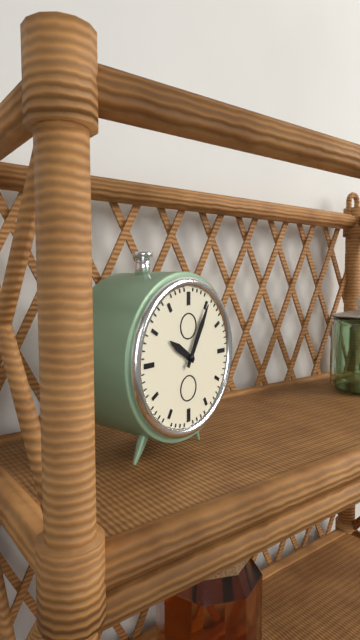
10,05
